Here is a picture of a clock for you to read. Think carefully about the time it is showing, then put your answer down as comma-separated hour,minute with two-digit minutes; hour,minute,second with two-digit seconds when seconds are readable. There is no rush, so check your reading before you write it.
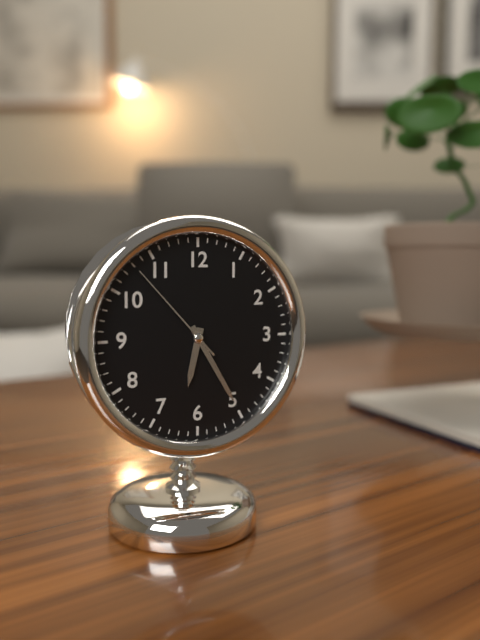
6,25,53
